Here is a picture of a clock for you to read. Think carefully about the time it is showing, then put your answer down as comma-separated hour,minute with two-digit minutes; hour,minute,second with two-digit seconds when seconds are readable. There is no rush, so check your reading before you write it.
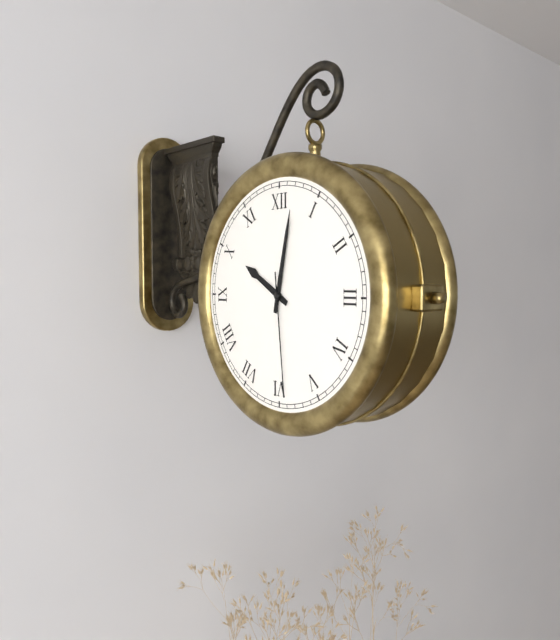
10,02,29
